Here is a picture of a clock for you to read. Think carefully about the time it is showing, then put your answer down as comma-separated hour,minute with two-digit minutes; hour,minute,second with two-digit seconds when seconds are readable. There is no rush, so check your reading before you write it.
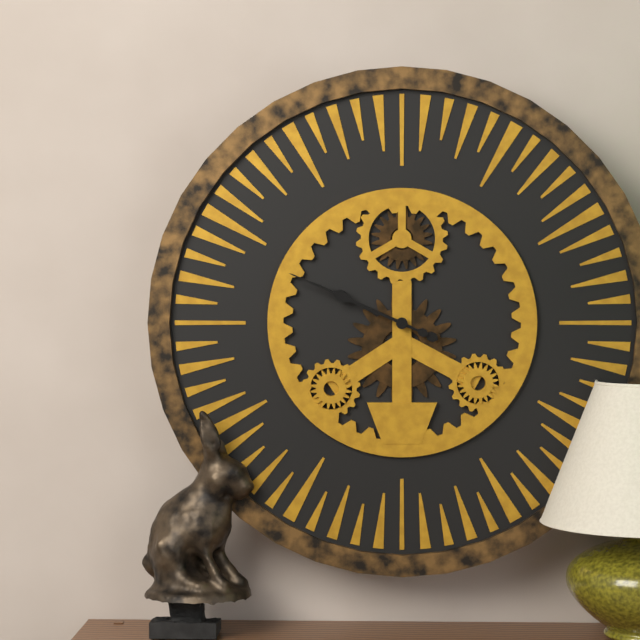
9,49
